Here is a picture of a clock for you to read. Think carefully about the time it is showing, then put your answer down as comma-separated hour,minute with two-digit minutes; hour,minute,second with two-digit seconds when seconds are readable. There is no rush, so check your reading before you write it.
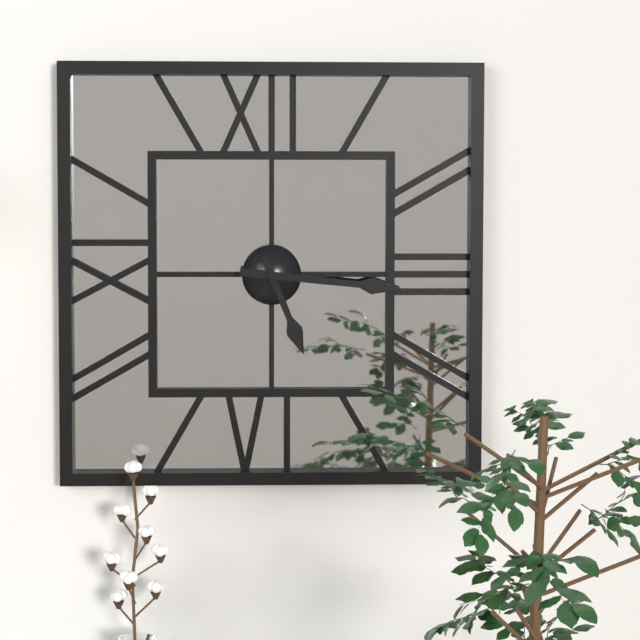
5,16
